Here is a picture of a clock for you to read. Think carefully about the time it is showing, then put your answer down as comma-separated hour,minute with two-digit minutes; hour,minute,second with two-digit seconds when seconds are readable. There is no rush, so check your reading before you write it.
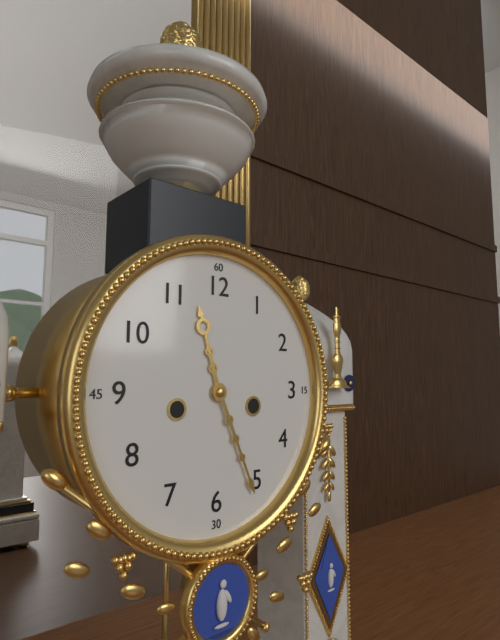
11,26
